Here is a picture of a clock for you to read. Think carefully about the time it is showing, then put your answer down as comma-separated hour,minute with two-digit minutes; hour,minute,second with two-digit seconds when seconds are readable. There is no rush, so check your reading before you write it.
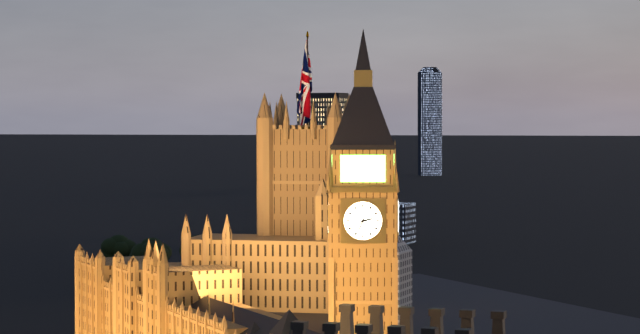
2,34
